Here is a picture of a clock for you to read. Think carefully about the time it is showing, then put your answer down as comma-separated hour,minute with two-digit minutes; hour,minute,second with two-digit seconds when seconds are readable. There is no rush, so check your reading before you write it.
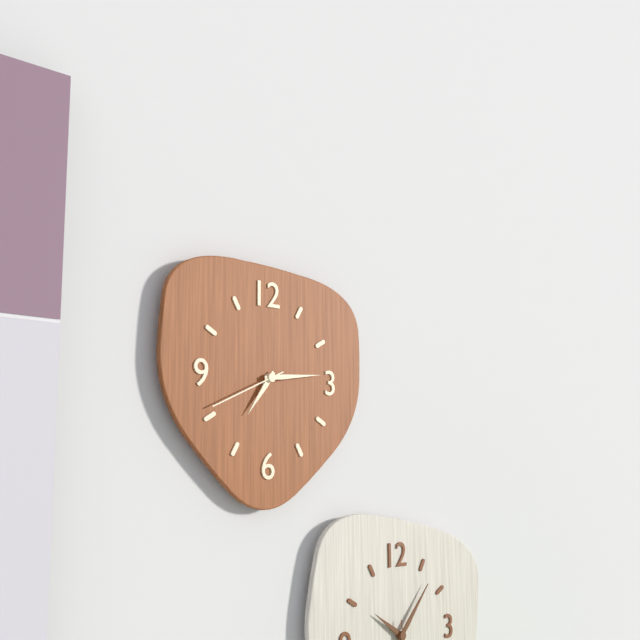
7,14,41
